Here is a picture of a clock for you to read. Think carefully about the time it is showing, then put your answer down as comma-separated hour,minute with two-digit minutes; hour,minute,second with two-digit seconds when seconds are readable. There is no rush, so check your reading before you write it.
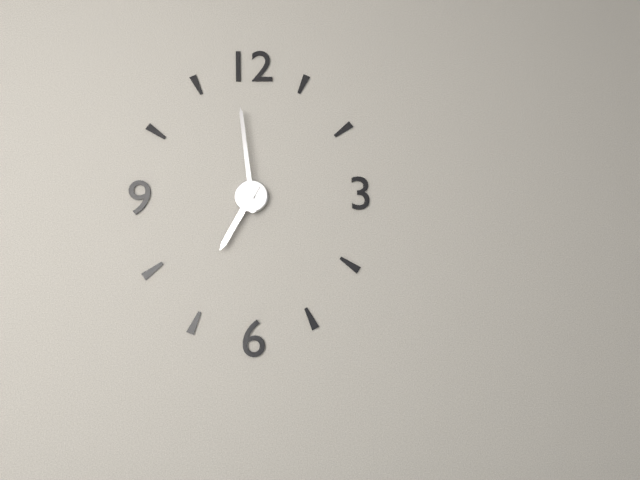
6,59
